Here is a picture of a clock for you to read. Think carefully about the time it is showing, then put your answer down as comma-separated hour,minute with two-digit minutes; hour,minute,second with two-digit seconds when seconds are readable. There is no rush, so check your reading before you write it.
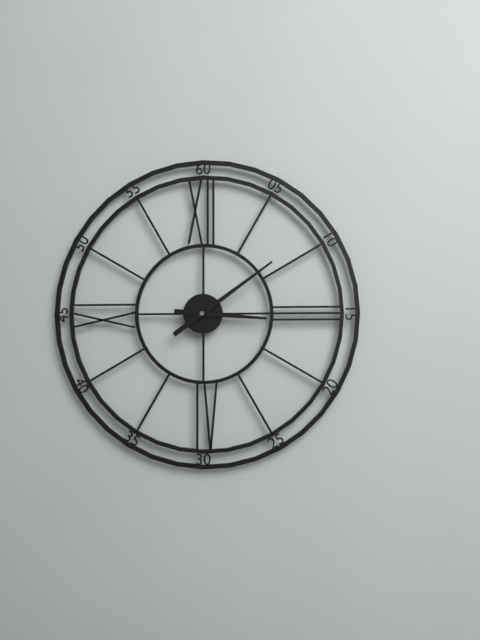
3,09
